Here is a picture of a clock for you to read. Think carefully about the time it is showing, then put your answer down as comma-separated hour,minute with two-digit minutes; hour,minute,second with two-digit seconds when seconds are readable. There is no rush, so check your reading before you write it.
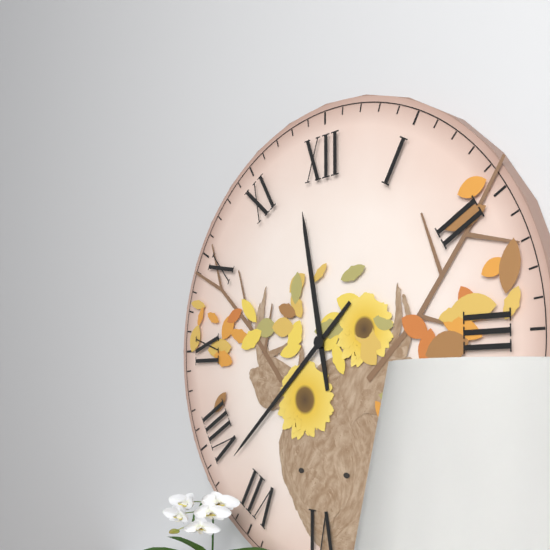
11,38
